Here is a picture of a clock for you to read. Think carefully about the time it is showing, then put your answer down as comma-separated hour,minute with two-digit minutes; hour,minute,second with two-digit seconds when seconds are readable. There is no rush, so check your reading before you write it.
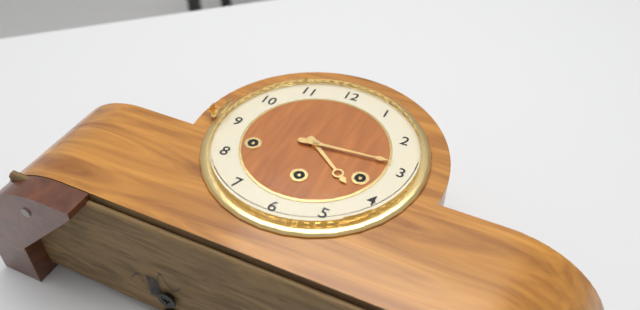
4,14
